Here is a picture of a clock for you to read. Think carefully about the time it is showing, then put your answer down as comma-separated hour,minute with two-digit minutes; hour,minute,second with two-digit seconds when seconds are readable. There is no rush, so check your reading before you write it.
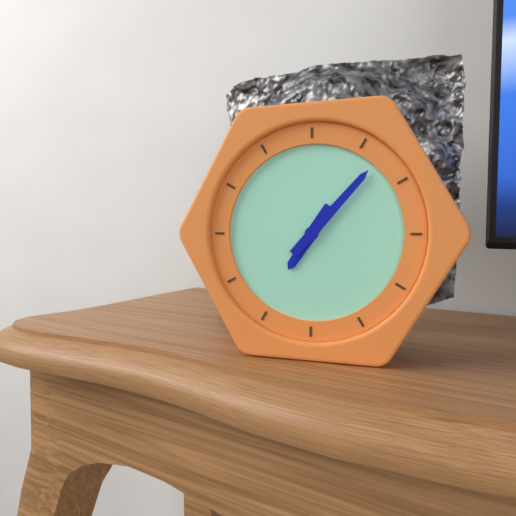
7,07
